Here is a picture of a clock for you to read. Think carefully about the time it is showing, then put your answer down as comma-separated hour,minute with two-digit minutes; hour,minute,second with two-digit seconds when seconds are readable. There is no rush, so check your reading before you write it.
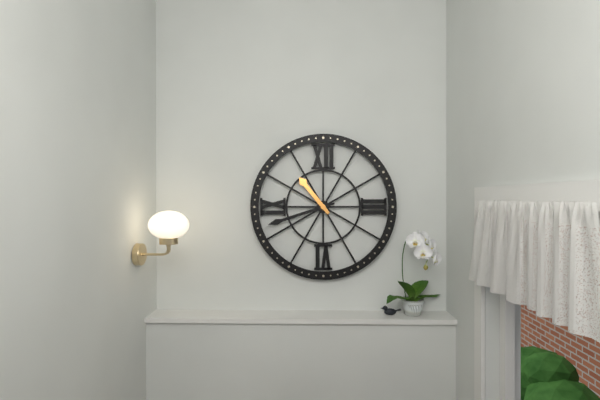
10,42
